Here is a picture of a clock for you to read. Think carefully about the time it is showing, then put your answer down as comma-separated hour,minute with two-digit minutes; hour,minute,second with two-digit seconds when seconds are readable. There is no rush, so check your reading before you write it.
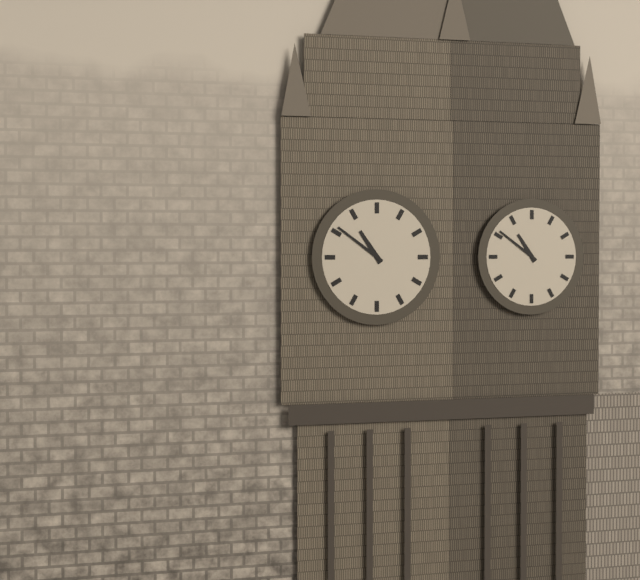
10,51
